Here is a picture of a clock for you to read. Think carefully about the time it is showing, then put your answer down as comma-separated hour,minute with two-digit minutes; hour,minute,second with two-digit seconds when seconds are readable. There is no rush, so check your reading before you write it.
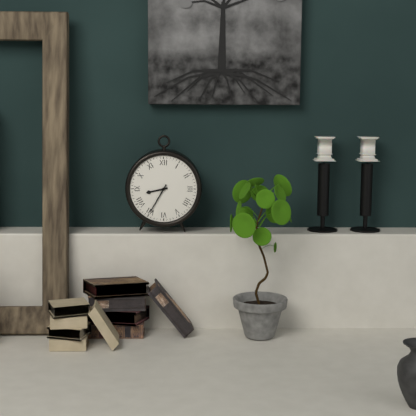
8,35
